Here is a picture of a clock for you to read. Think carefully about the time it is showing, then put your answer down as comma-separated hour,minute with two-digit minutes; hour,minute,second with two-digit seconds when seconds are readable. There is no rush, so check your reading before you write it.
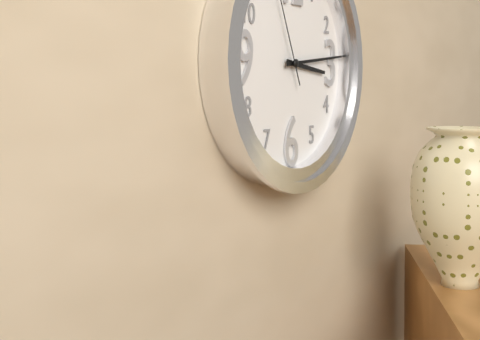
3,14
